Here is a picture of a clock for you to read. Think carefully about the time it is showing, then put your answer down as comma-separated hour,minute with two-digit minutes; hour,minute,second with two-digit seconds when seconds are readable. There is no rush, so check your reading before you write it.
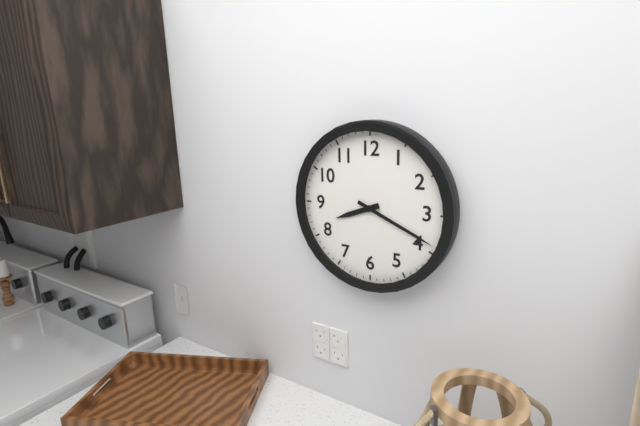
8,19
